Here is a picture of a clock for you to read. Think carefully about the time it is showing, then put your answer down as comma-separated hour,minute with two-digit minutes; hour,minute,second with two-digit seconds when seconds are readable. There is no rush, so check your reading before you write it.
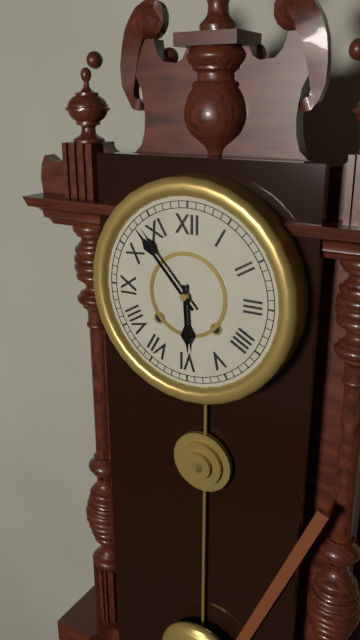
5,53
